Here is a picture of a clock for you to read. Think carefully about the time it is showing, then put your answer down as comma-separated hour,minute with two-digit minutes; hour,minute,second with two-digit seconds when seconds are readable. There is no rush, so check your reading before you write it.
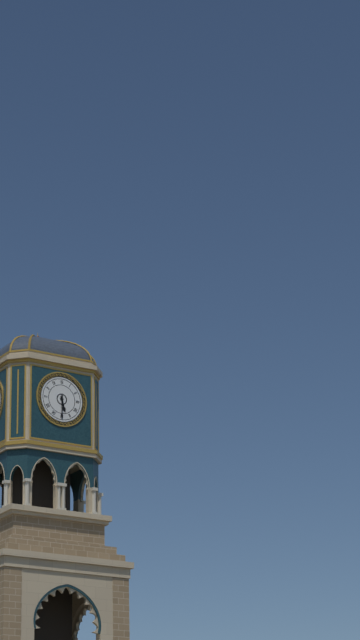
5,30
